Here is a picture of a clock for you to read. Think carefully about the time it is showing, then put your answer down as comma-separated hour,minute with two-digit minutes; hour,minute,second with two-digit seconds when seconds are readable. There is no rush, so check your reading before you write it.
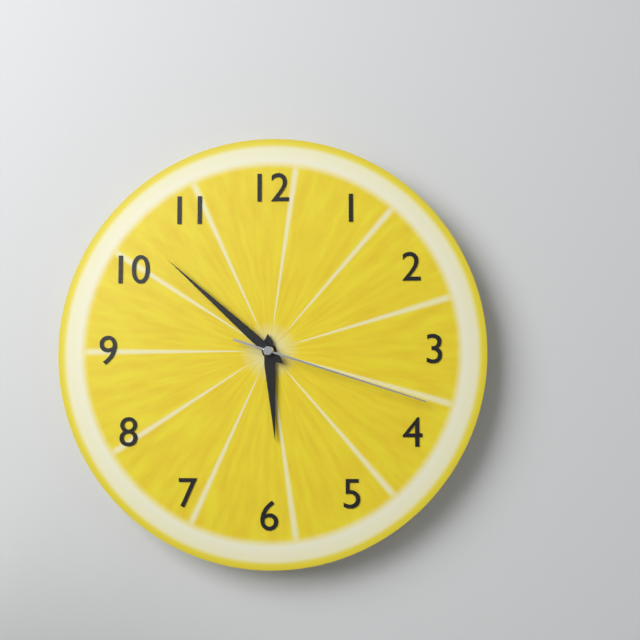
5,52,18
